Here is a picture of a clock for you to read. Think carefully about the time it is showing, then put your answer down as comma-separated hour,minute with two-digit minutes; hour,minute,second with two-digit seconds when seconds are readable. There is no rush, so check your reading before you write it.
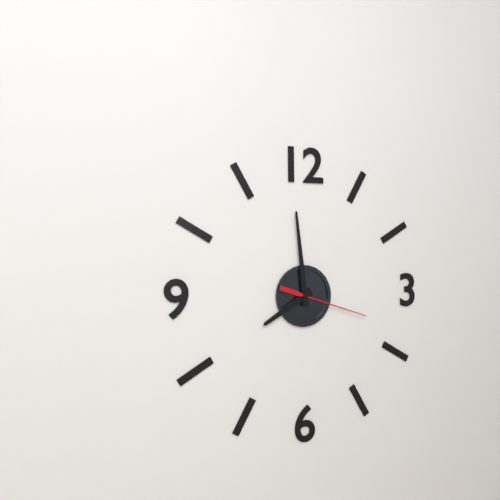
7,59,18
